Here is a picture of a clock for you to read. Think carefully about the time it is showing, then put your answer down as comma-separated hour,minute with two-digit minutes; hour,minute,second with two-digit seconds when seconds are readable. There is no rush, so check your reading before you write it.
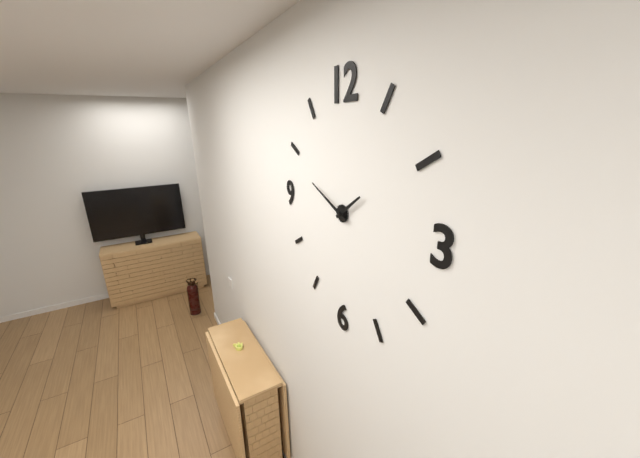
1,49
